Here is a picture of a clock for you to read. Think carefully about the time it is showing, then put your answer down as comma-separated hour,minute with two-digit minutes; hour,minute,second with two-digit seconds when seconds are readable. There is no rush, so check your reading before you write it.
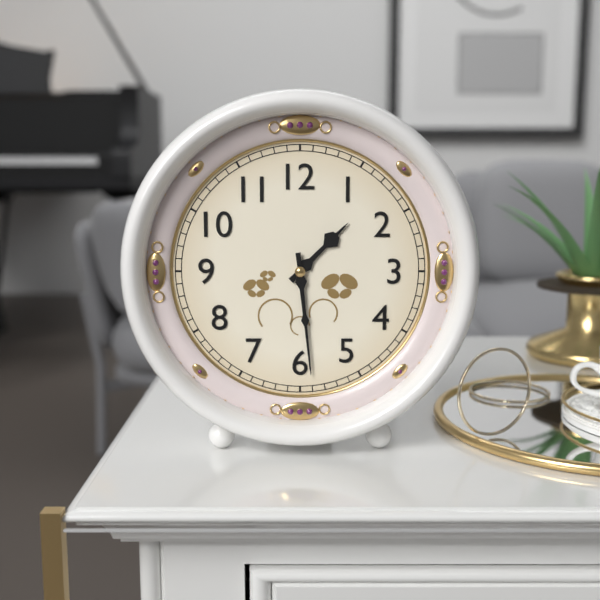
1,29
